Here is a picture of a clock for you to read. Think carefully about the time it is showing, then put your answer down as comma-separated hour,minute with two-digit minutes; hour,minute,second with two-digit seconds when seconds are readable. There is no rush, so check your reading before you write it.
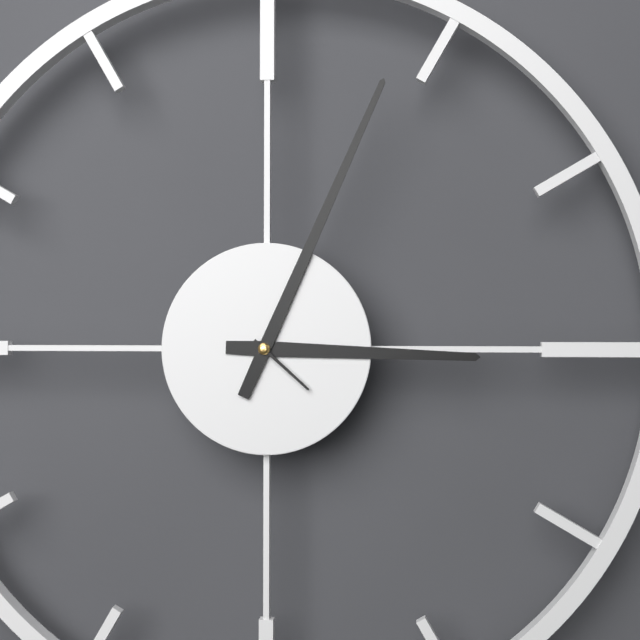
3,04,22
